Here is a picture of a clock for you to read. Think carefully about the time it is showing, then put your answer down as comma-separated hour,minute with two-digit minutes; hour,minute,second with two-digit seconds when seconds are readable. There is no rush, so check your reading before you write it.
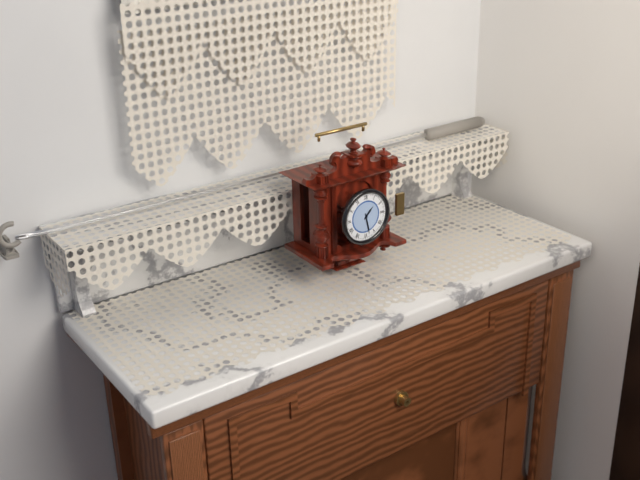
1,28
